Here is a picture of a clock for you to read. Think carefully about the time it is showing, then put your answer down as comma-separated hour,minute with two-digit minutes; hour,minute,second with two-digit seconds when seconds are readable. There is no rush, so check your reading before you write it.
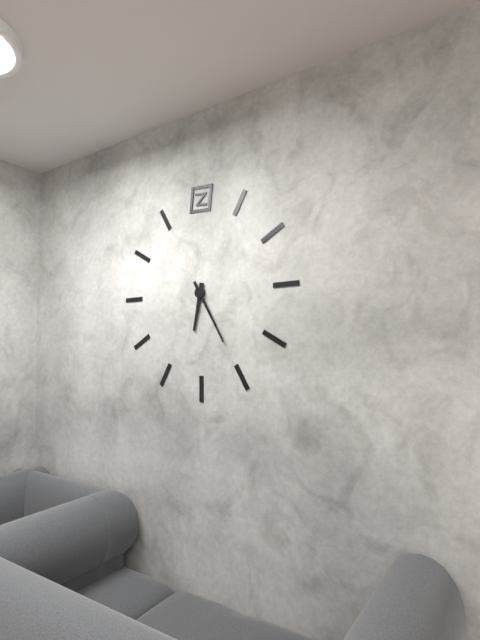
6,25
